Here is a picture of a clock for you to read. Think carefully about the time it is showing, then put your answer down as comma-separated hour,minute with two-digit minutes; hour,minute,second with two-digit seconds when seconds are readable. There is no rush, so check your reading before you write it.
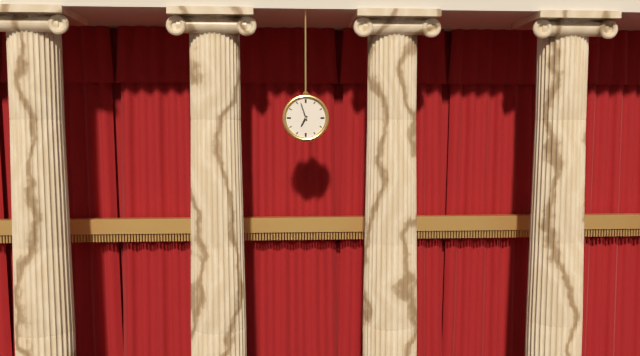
6,57
